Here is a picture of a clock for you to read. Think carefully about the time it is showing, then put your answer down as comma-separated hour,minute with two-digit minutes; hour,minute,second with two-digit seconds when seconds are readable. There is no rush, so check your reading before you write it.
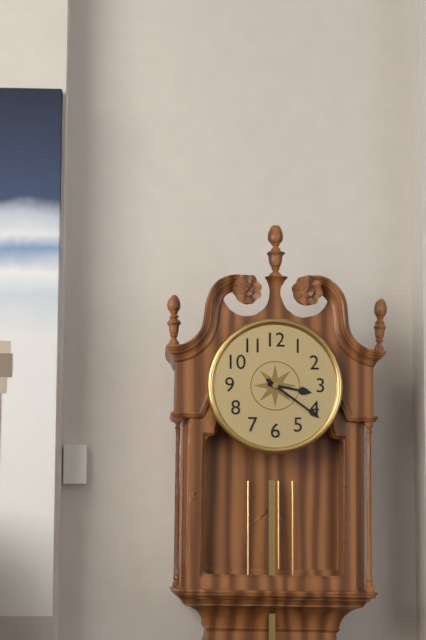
3,21
